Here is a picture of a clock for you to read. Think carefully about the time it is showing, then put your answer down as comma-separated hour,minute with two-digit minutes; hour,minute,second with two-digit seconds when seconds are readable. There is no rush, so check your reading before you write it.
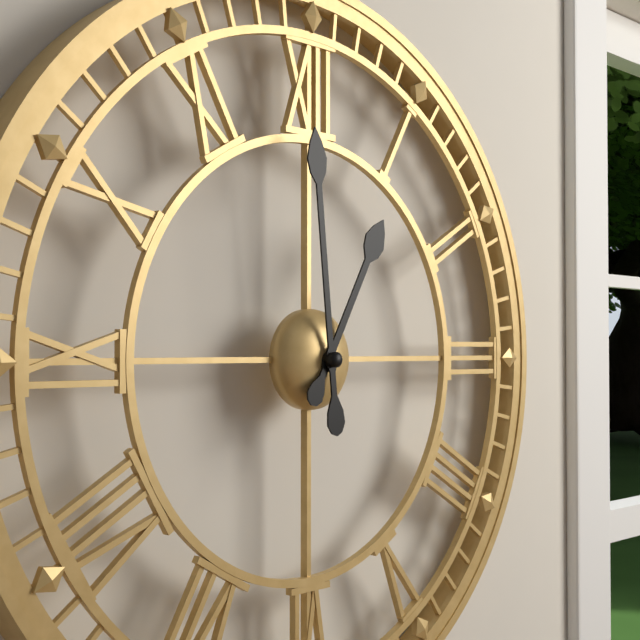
12,59
